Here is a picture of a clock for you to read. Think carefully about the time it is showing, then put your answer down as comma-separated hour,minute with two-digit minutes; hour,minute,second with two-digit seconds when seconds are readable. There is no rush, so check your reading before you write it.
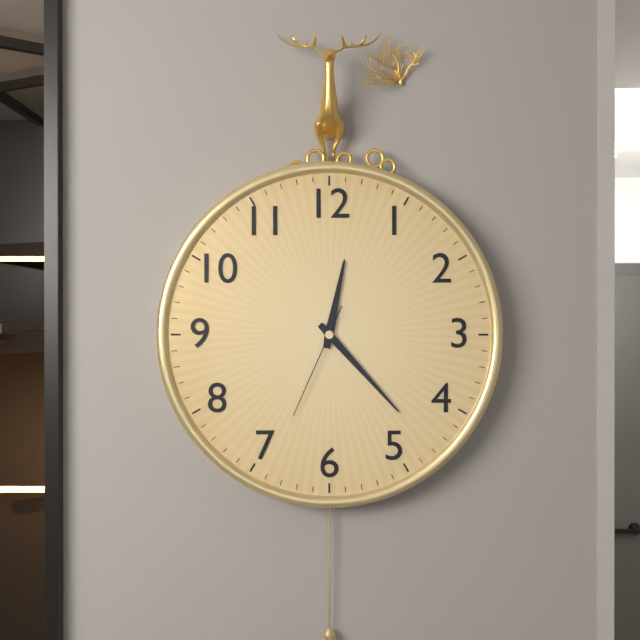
12,23,34
